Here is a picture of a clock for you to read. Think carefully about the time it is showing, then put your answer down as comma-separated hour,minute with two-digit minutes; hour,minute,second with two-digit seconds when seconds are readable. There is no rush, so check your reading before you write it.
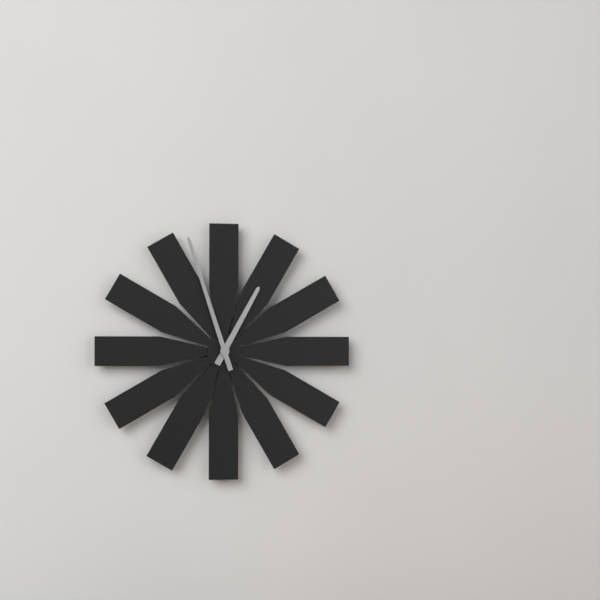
12,57
